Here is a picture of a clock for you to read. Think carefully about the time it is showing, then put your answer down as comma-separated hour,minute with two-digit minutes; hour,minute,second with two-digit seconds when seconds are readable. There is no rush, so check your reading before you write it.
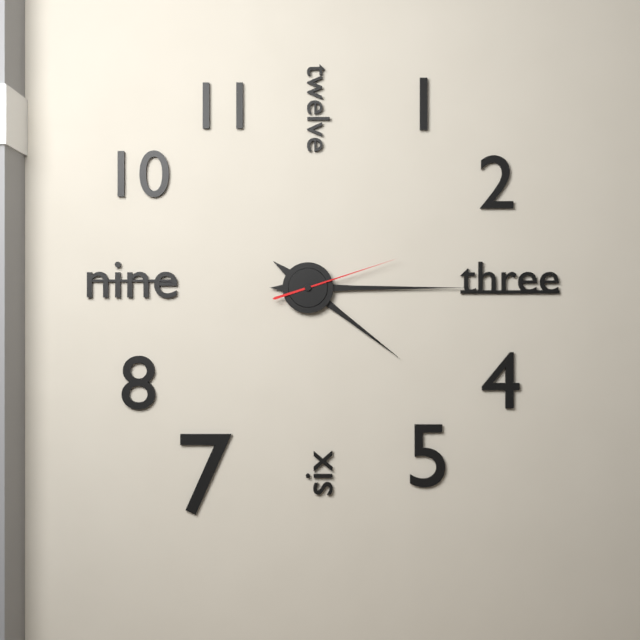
4,15,12
